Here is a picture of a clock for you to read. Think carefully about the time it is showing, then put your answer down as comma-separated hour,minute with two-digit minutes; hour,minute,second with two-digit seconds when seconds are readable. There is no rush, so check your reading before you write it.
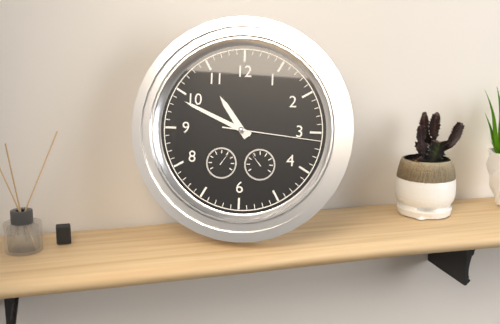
10,49,16
